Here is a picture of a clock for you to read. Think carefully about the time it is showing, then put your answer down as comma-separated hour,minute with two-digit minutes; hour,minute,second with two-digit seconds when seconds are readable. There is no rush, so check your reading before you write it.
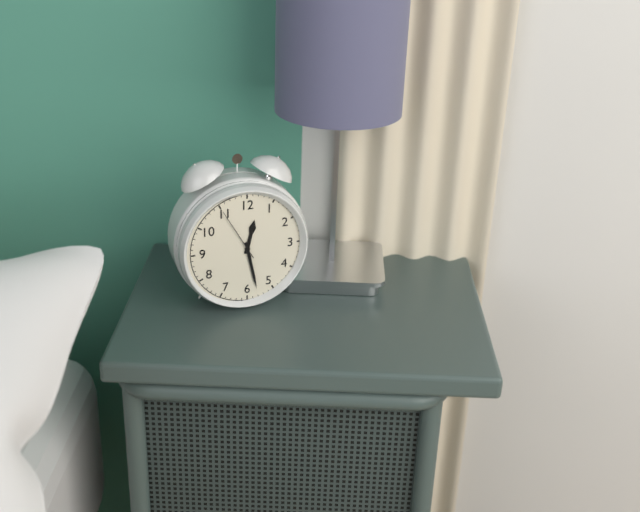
12,28,55
